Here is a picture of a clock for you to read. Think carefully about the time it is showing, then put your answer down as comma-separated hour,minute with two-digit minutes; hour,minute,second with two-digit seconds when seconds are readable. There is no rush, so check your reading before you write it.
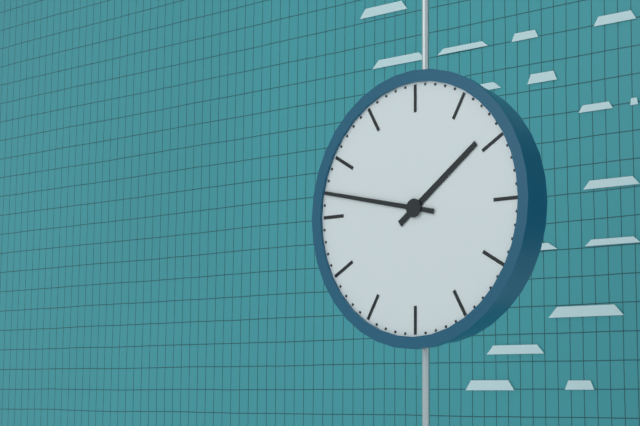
1,47
